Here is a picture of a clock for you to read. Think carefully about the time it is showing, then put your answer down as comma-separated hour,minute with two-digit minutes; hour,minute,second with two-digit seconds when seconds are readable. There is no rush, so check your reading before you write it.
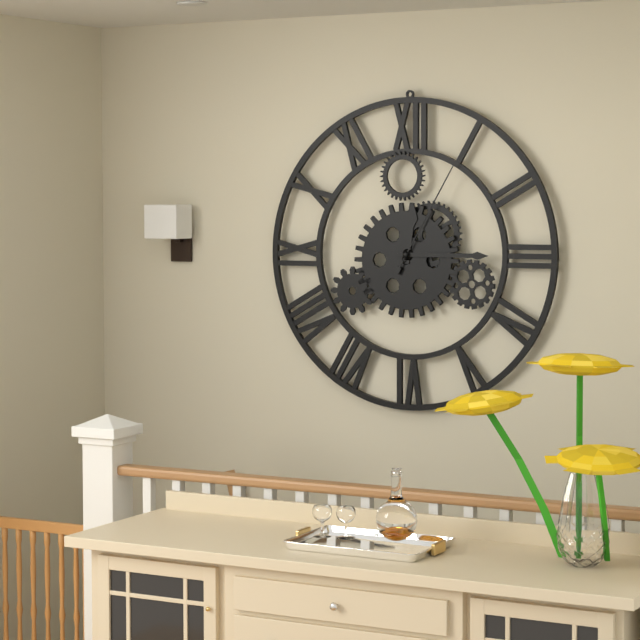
12,15,05
